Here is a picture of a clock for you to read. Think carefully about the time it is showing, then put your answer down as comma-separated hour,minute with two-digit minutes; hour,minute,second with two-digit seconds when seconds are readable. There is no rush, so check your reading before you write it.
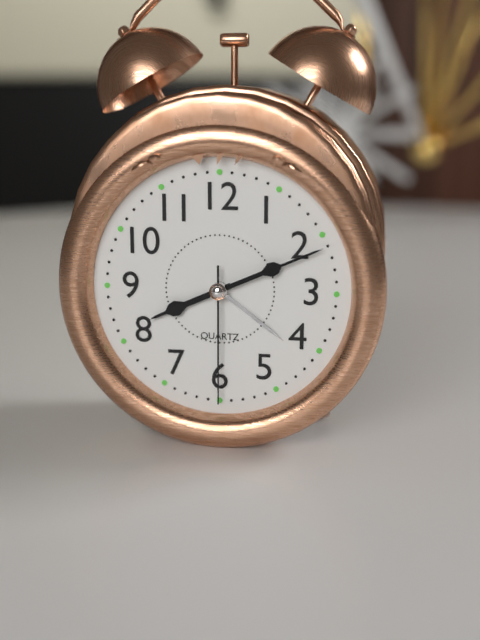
8,11,30
